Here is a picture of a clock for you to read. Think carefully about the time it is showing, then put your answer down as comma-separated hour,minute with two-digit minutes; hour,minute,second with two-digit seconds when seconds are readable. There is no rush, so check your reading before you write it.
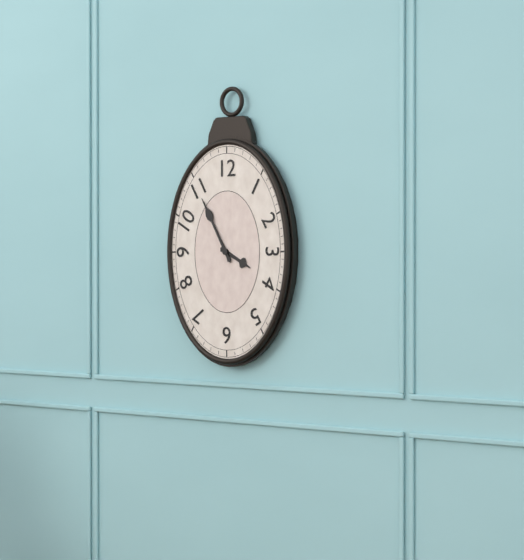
3,55
